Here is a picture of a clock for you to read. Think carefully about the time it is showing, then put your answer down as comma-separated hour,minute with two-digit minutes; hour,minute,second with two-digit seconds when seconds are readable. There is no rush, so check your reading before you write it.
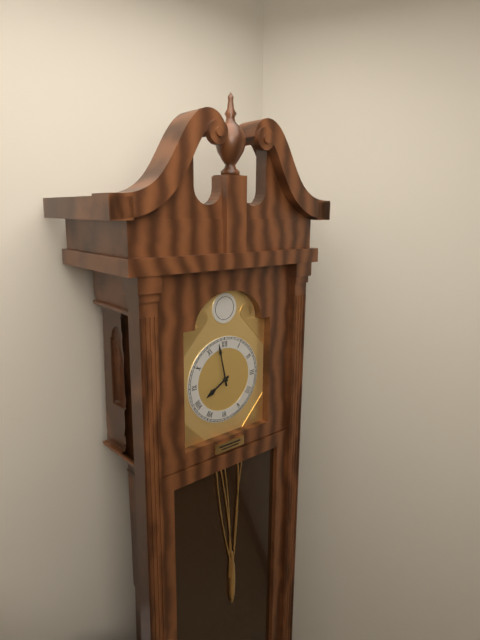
7,58
